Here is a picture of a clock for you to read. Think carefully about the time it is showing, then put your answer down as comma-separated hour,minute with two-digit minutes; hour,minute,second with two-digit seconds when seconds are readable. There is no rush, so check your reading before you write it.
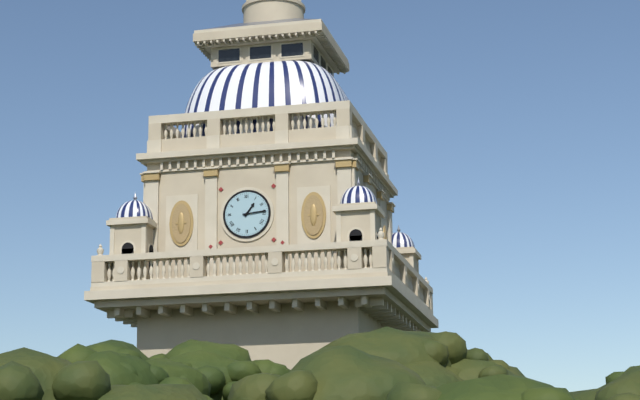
1,14
